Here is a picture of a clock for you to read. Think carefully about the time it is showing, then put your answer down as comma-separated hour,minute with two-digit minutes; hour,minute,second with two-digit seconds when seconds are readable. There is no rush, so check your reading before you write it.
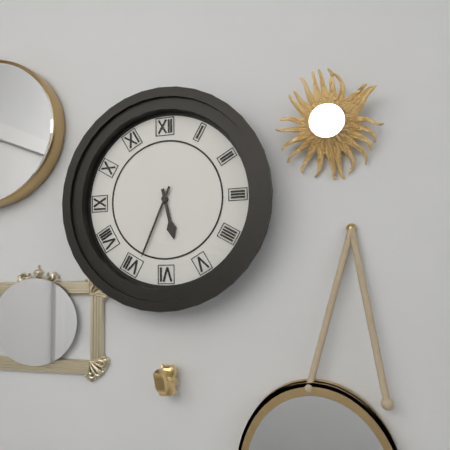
5,34
